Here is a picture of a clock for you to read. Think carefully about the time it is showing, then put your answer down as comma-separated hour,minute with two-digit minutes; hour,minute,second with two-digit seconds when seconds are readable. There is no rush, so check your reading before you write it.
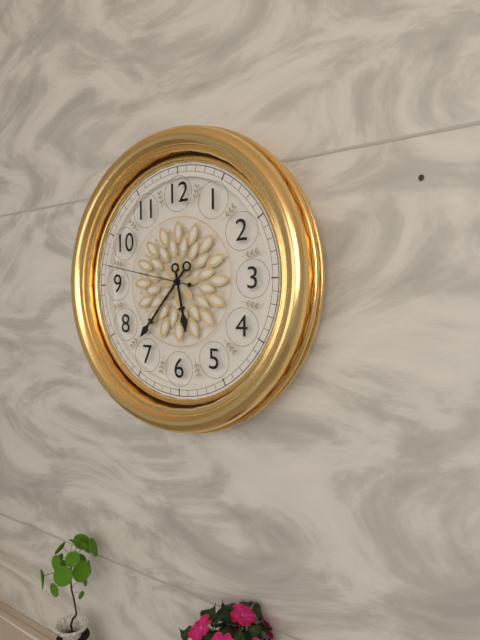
5,37,47
